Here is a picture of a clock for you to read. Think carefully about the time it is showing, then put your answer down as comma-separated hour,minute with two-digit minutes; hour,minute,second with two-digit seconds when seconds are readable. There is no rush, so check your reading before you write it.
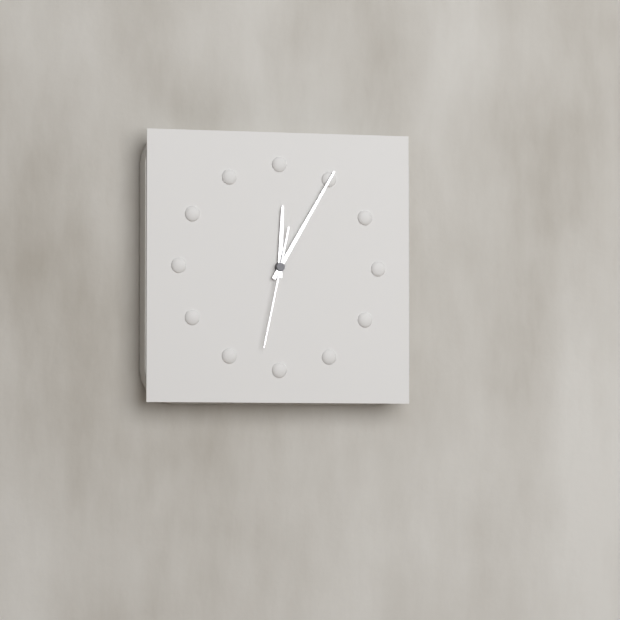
12,05,32
